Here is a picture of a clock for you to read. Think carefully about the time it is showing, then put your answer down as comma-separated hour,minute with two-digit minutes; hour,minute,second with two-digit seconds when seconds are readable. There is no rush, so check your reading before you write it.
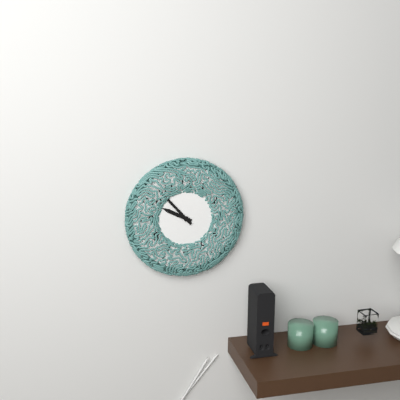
9,53
